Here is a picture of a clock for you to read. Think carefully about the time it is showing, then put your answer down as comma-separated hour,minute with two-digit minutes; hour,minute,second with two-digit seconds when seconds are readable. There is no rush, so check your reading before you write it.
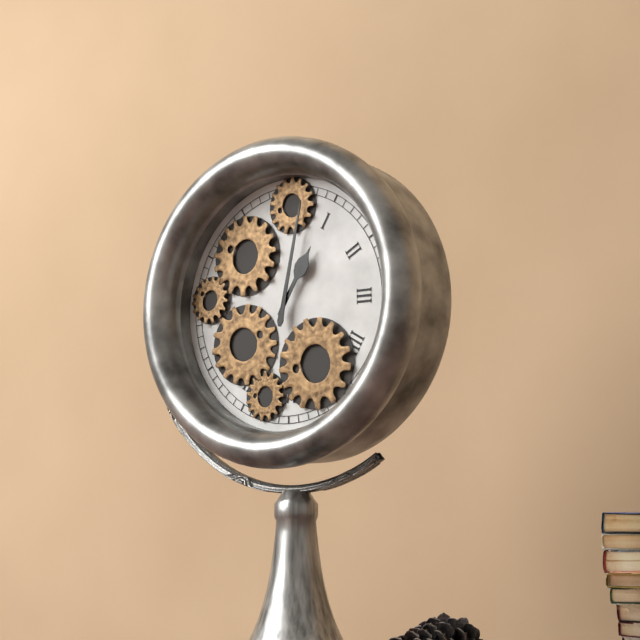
1,02
